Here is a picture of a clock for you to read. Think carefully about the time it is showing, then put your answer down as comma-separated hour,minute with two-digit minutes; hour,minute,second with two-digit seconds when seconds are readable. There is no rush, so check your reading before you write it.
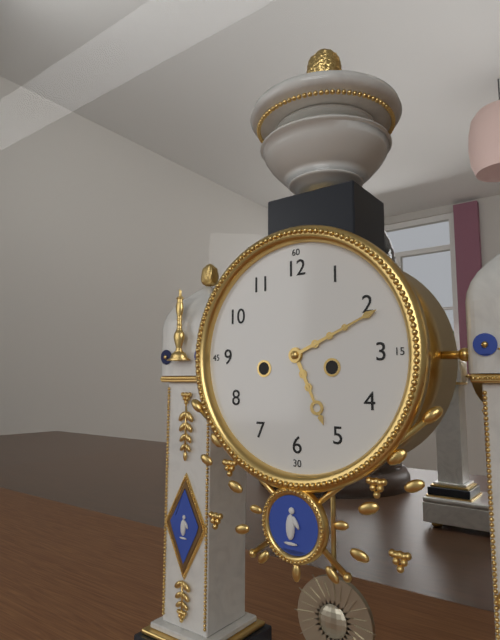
5,11
